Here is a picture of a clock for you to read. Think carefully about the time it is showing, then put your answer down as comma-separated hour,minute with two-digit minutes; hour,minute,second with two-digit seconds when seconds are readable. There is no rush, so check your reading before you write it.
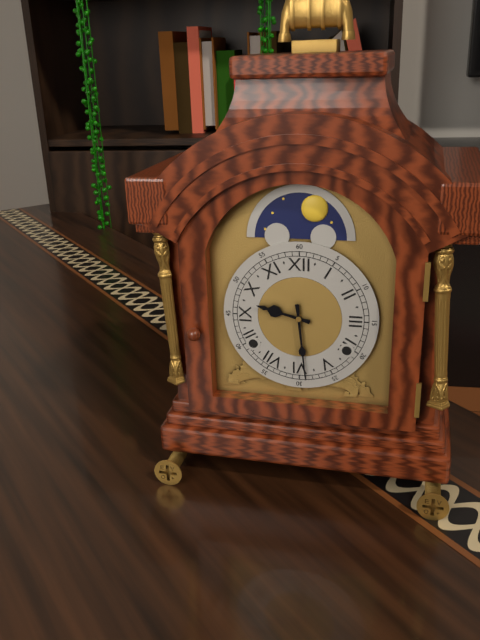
9,29
